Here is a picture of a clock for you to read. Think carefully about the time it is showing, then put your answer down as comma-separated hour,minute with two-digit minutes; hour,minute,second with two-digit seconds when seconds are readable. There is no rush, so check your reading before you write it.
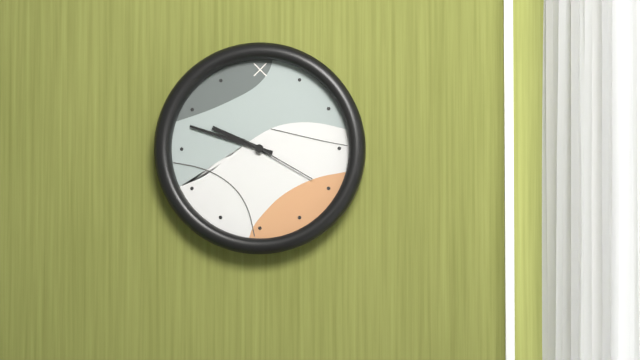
9,48,20
